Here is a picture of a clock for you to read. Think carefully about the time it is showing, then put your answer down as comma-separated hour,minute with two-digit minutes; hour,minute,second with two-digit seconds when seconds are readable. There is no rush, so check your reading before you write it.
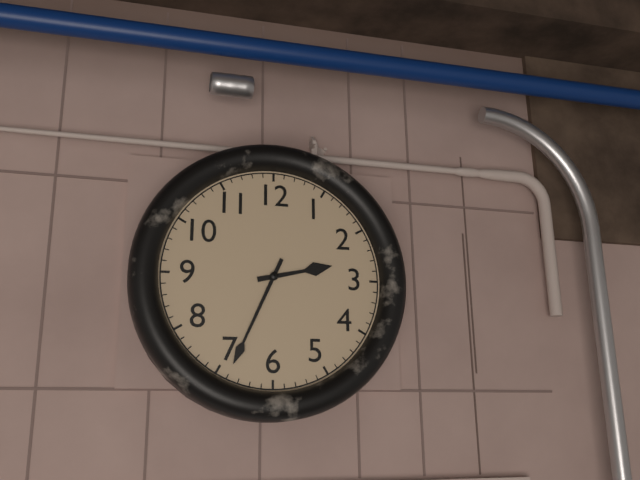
2,34
